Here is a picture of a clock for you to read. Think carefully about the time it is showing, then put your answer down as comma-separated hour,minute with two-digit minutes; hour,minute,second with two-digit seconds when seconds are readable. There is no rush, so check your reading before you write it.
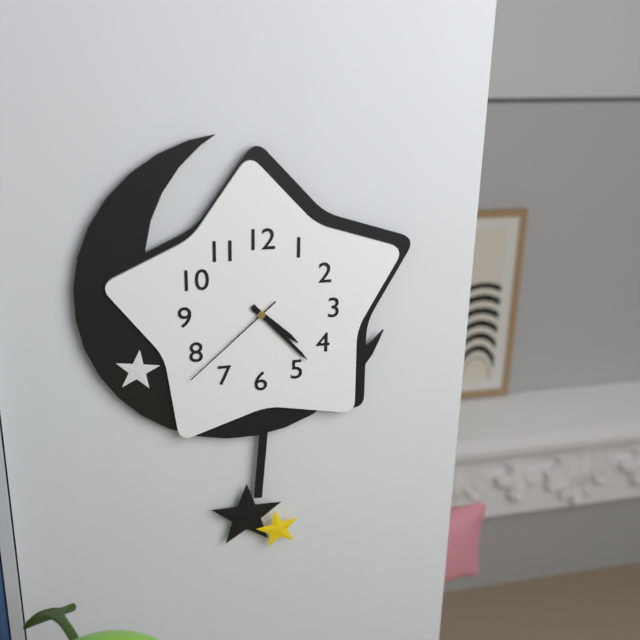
4,23,38
